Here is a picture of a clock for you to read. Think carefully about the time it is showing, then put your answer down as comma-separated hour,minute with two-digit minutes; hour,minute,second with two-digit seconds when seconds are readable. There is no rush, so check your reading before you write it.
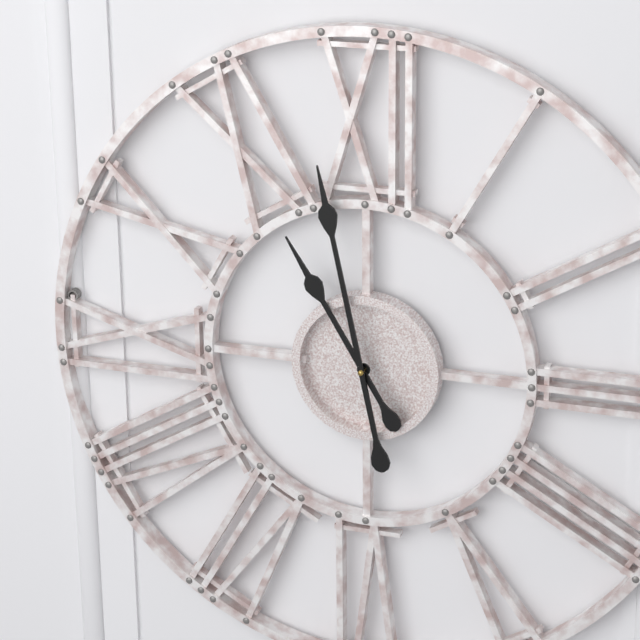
10,58
